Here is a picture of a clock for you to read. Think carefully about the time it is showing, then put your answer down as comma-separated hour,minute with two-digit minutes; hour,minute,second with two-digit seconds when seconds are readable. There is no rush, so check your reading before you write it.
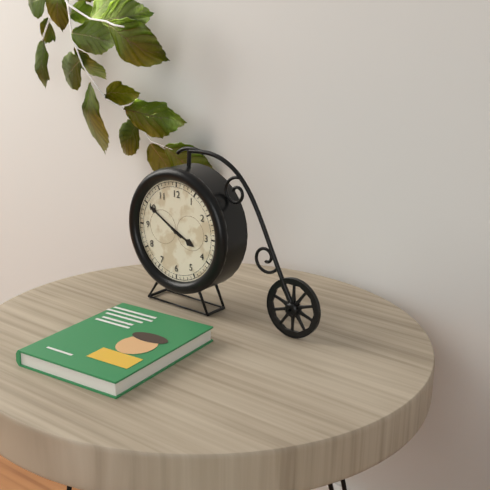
3,50
